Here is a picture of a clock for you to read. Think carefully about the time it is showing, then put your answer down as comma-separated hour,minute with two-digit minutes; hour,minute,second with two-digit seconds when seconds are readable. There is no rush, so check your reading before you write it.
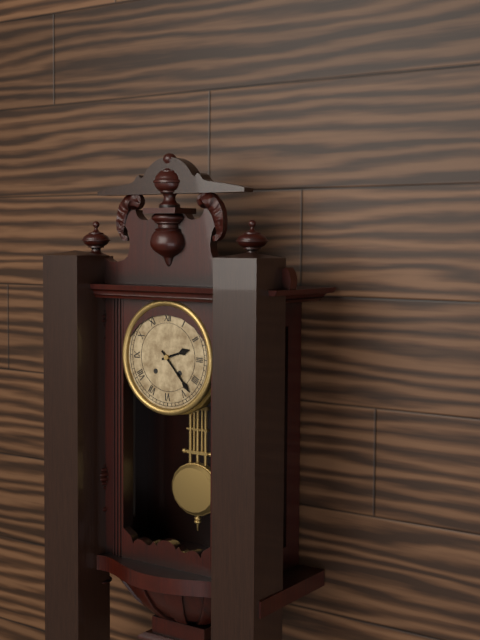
2,23
